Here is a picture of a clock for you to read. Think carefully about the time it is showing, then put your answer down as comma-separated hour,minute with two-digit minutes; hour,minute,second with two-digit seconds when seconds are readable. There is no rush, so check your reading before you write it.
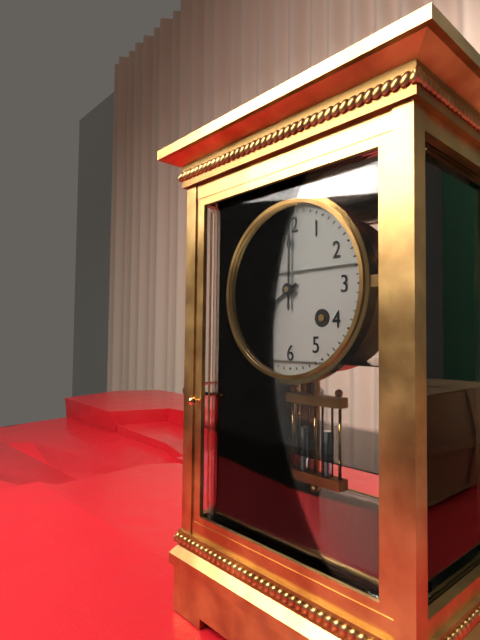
8,00
